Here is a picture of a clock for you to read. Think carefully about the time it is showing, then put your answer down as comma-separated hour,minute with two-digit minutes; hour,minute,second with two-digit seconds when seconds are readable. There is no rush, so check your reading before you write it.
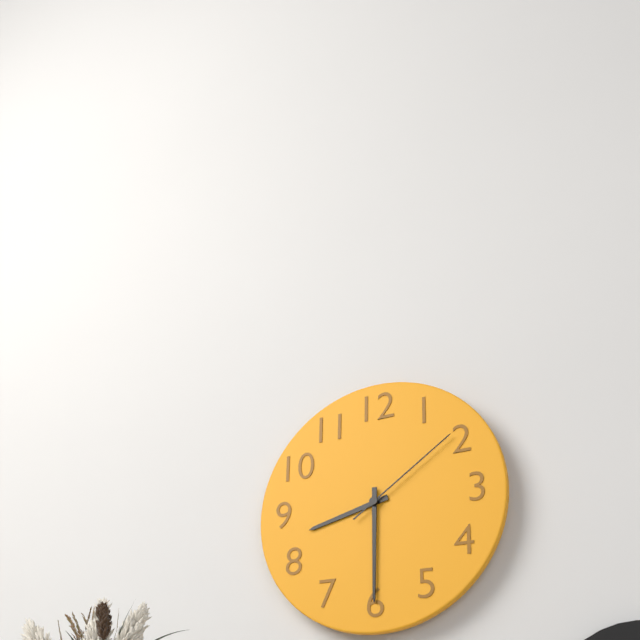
8,30,09
